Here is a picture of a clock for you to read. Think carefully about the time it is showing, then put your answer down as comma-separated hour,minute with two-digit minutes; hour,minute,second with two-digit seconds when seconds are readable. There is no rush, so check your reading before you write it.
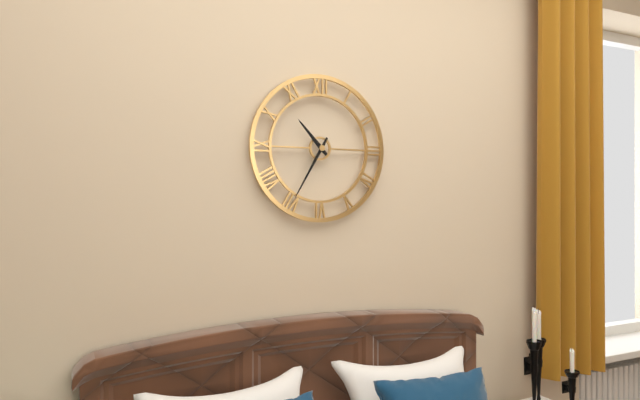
10,35
